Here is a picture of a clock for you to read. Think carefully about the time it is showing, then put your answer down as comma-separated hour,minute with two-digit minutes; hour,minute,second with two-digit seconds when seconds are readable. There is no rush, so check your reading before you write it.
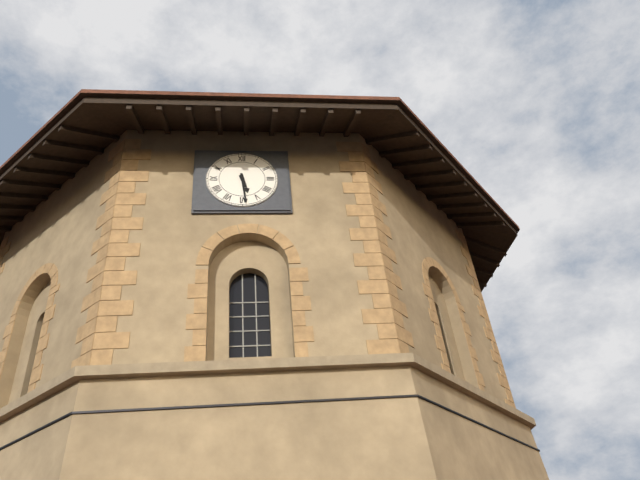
5,29
